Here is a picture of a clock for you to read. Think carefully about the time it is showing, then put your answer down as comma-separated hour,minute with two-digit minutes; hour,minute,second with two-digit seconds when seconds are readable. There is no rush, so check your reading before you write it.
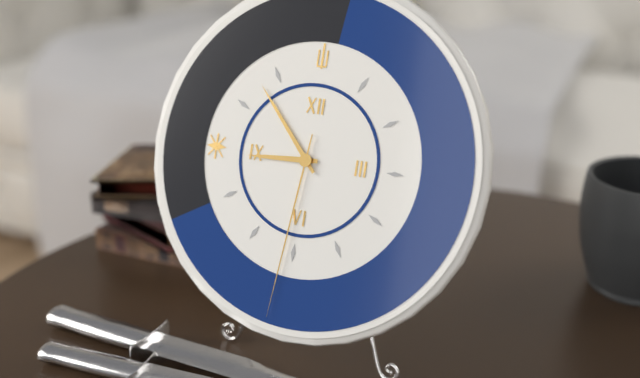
8,53,31
